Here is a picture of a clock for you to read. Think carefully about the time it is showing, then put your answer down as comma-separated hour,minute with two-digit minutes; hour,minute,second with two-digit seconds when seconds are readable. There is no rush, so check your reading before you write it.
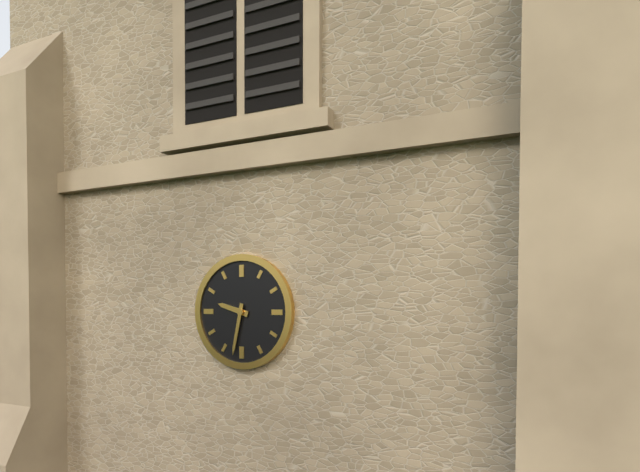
9,32
